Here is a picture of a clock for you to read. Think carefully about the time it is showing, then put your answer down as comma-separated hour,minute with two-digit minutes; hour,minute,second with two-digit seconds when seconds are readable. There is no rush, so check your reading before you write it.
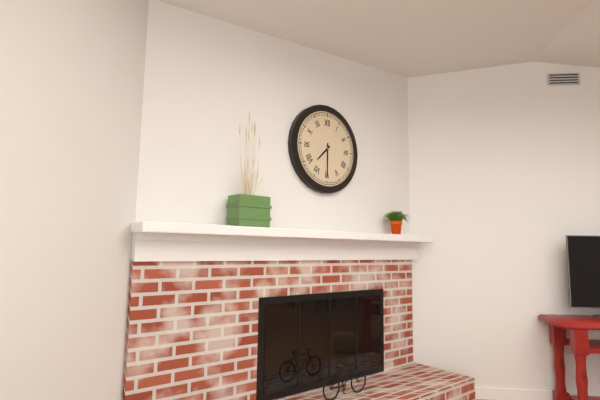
7,30
